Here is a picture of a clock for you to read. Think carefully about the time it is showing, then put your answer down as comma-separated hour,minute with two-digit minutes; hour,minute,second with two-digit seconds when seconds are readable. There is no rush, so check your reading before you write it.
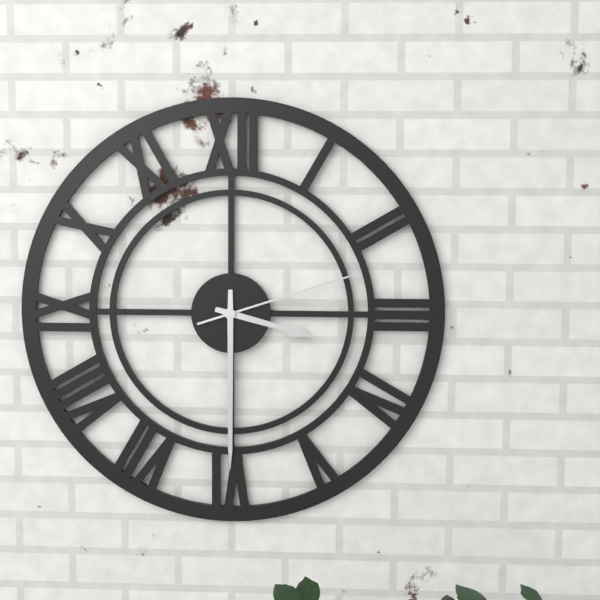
3,30,12
